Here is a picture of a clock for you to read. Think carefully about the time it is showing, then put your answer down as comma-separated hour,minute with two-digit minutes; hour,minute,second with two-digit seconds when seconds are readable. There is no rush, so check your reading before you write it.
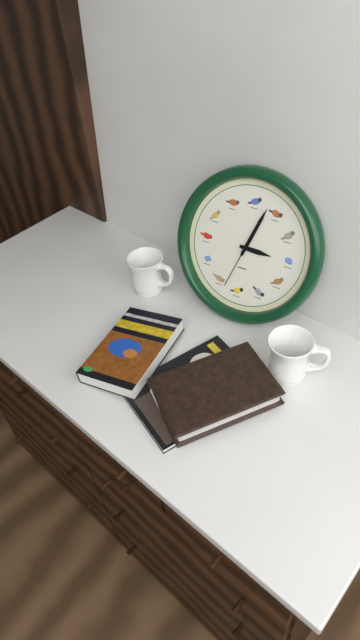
3,03,33
